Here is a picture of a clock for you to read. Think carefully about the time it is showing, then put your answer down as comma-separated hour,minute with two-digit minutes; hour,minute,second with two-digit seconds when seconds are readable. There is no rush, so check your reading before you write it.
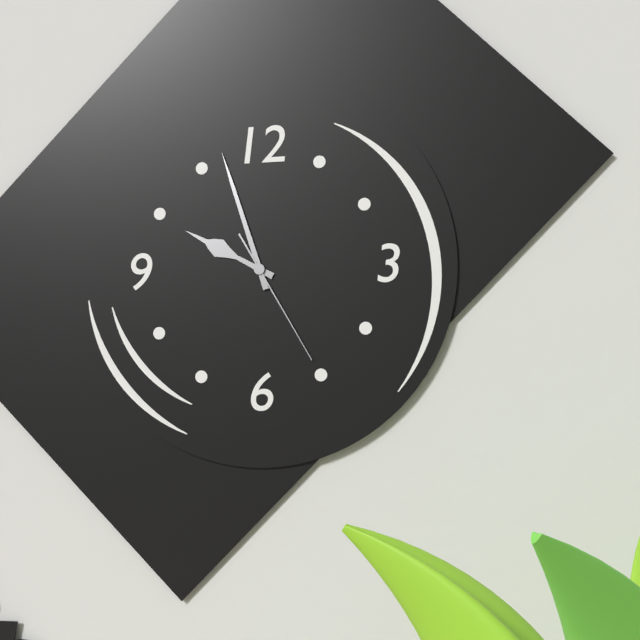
9,57,25
